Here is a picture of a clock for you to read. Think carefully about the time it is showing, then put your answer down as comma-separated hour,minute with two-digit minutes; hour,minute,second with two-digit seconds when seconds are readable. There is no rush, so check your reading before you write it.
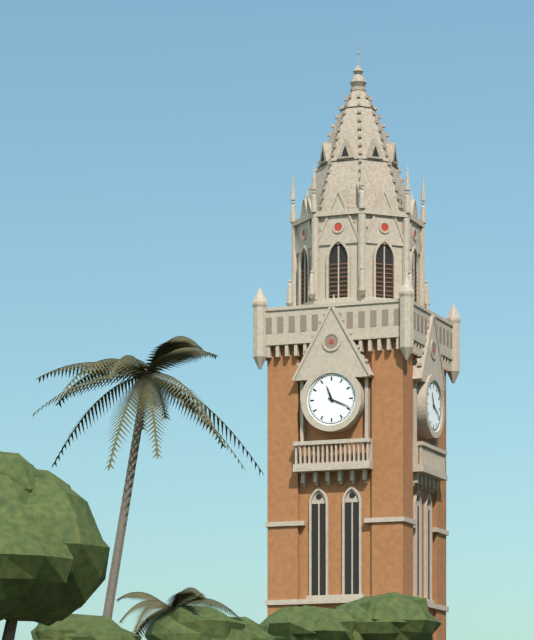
11,19
